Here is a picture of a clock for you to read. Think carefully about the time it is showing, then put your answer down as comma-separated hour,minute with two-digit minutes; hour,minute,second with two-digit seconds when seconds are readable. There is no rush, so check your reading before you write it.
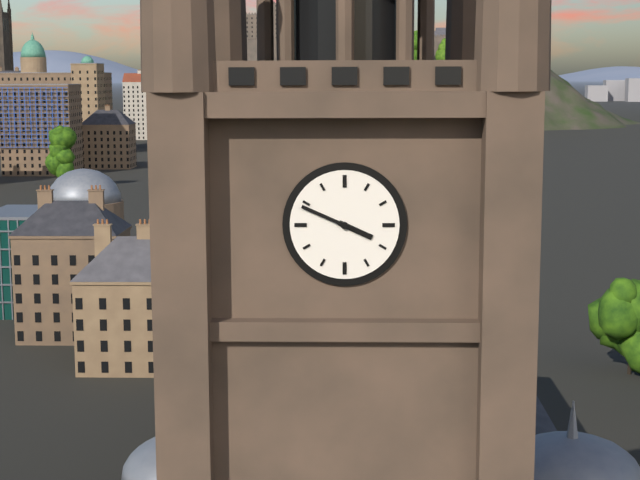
3,49
